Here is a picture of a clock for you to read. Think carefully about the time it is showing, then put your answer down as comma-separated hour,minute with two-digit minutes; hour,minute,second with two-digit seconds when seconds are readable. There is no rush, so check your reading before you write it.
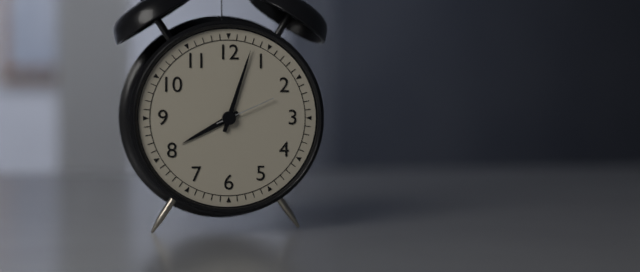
8,03,11
